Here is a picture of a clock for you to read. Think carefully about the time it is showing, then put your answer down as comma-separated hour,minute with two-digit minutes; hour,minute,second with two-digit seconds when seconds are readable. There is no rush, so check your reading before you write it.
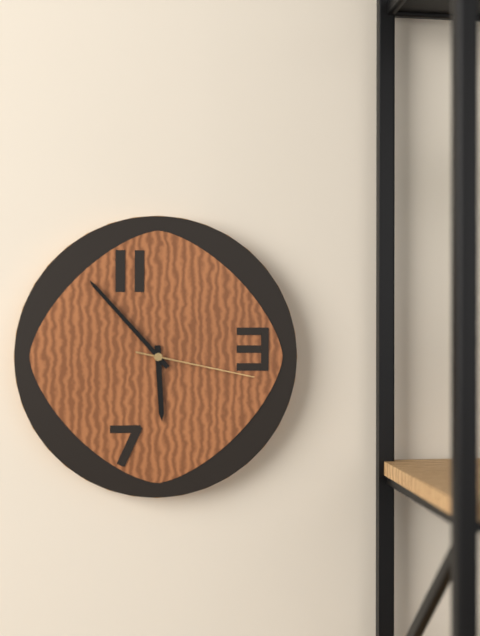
5,53,17
